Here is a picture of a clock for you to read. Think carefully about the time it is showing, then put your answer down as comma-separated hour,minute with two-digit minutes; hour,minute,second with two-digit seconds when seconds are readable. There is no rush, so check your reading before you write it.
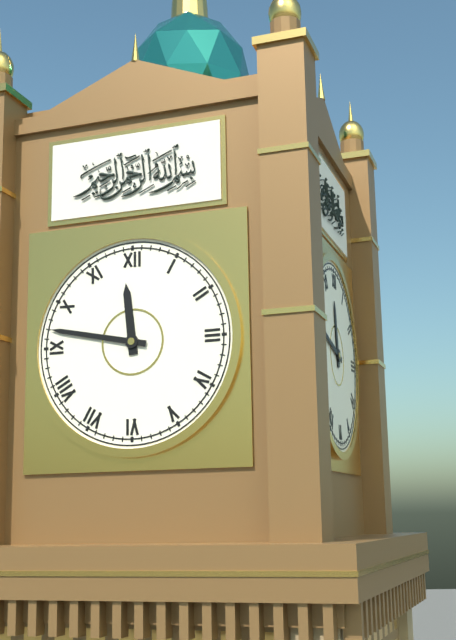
11,47
